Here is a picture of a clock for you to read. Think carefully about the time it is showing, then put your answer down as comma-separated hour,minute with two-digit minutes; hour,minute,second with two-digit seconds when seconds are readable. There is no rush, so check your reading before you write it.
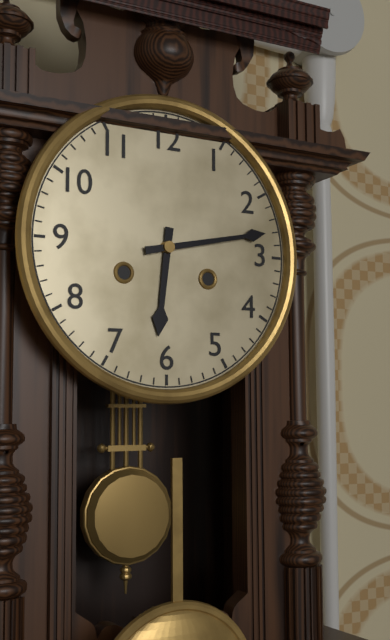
6,13
